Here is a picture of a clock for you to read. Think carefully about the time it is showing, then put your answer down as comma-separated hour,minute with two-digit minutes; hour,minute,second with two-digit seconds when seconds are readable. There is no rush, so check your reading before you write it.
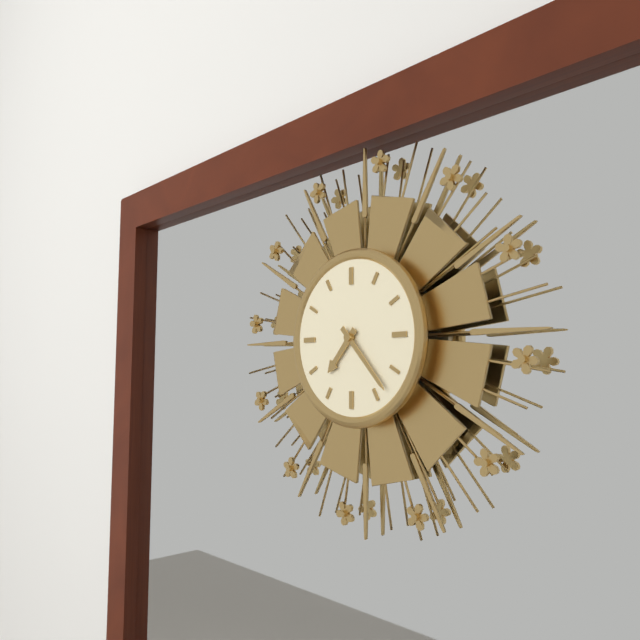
7,23
